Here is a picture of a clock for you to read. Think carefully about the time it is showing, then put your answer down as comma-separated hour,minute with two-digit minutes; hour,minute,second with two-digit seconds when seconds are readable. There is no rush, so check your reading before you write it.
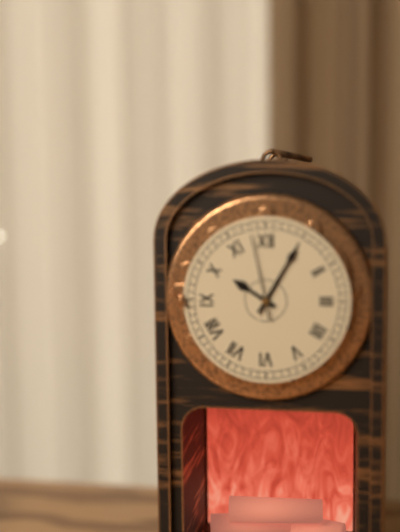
10,05,58
